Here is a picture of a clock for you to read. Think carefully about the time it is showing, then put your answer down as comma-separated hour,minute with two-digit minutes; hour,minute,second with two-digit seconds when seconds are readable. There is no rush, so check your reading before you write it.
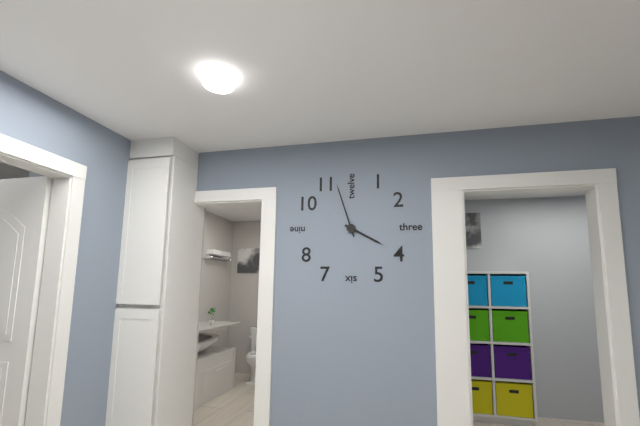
3,57
